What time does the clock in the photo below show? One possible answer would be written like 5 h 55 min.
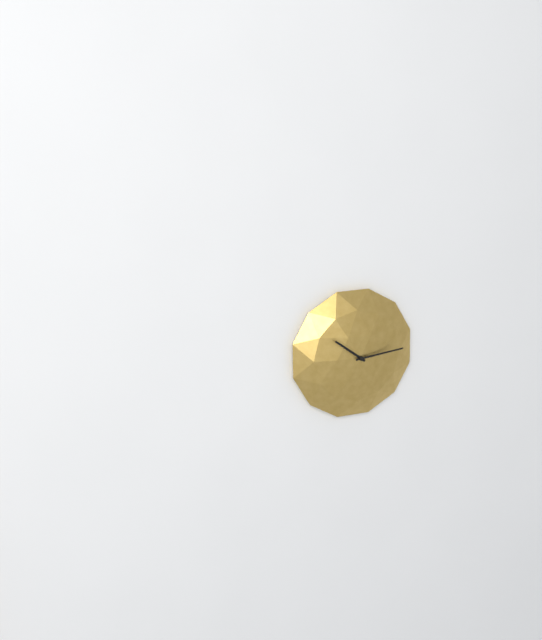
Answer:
10 h 14 min
